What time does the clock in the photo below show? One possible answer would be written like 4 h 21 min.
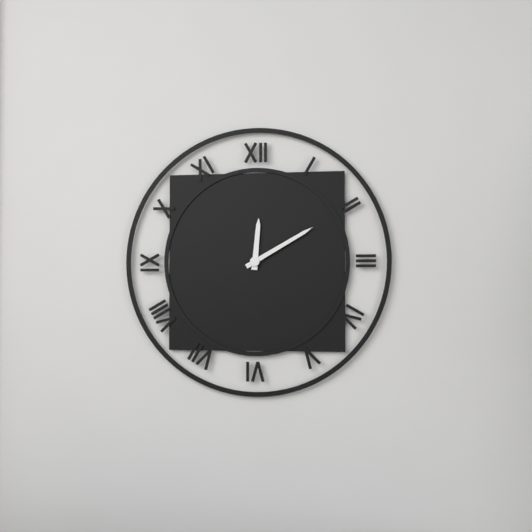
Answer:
12 h 10 min
